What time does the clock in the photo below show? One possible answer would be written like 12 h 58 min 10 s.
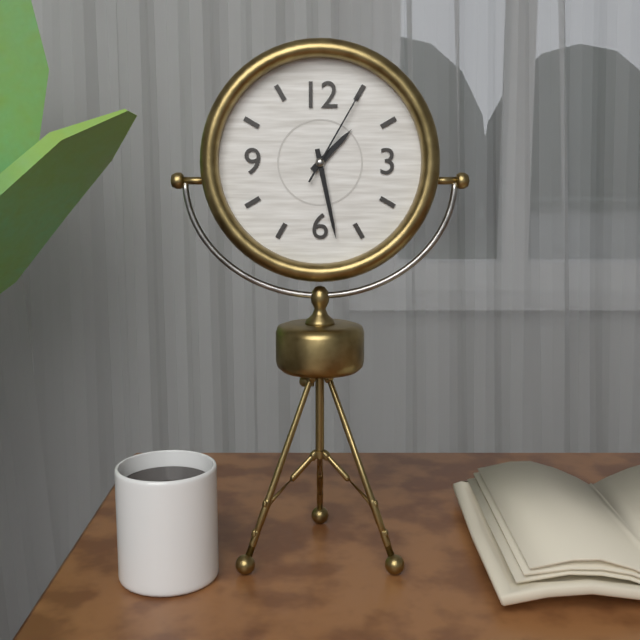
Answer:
1 h 28 min 05 s
